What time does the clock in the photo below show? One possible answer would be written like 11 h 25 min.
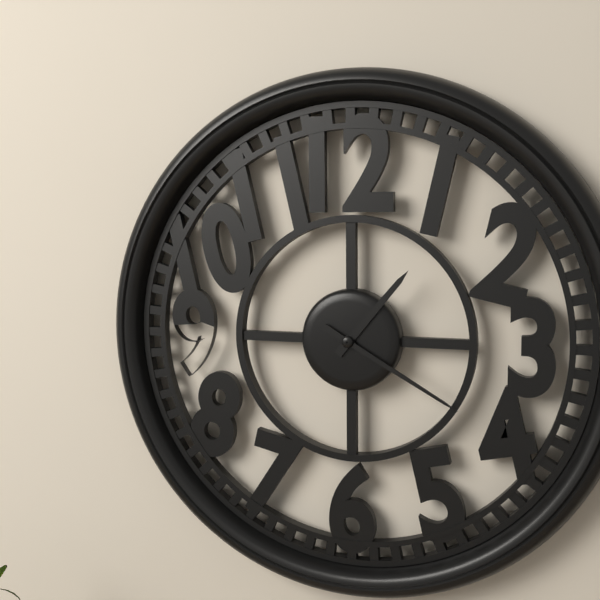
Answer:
1 h 20 min
